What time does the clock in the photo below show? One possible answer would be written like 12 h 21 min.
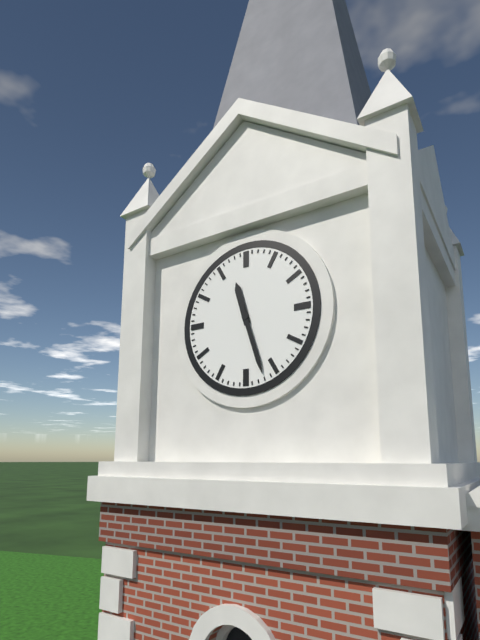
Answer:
11 h 27 min
